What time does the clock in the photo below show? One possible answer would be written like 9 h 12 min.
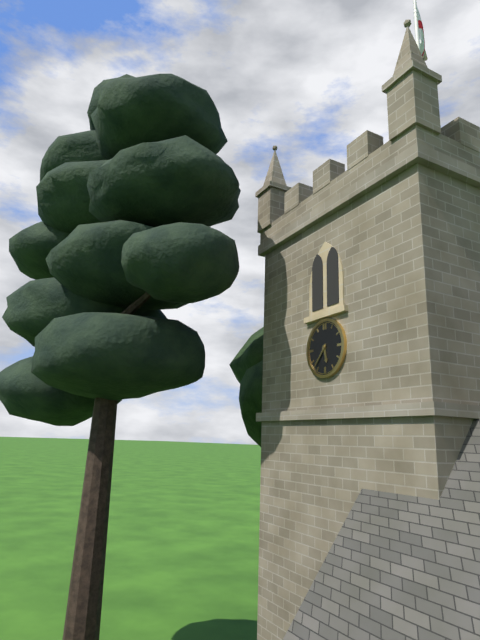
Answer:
5 h 37 min
